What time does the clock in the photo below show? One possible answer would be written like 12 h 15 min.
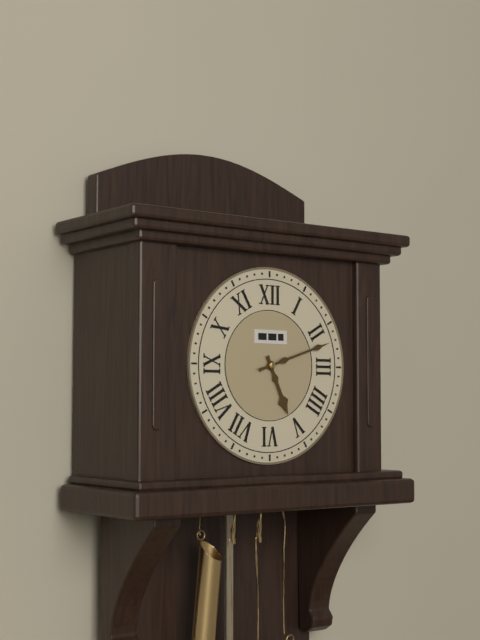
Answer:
5 h 12 min
